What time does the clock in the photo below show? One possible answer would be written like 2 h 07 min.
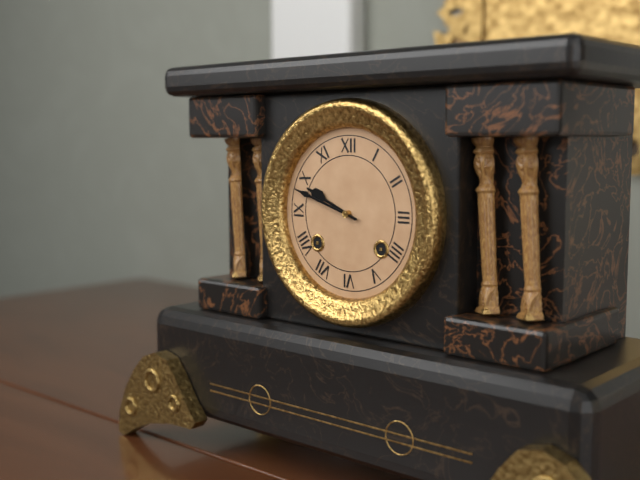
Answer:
9 h 48 min
